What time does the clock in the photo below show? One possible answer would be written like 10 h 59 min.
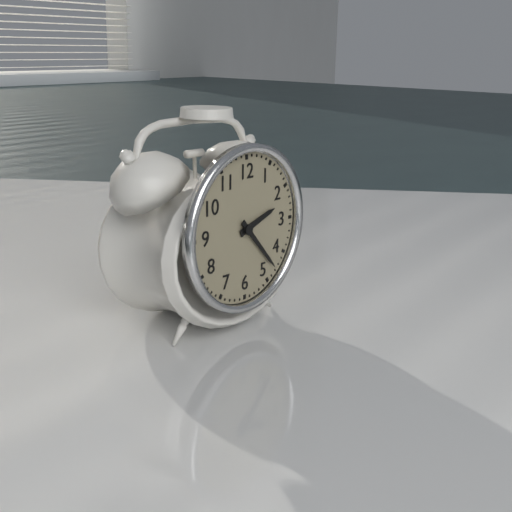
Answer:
2 h 23 min
